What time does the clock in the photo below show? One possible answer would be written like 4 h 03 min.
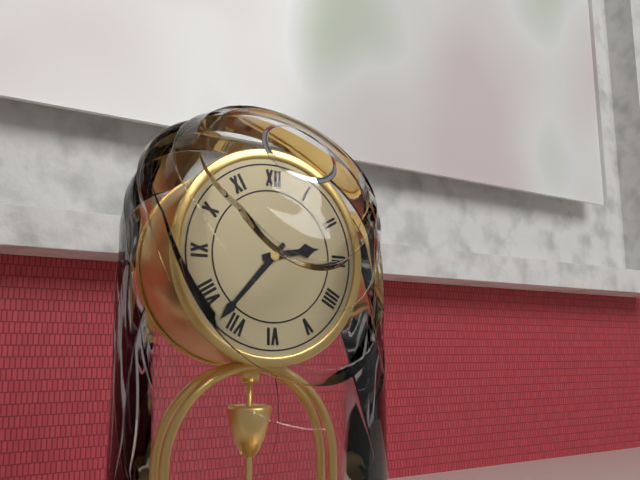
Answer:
2 h 37 min
